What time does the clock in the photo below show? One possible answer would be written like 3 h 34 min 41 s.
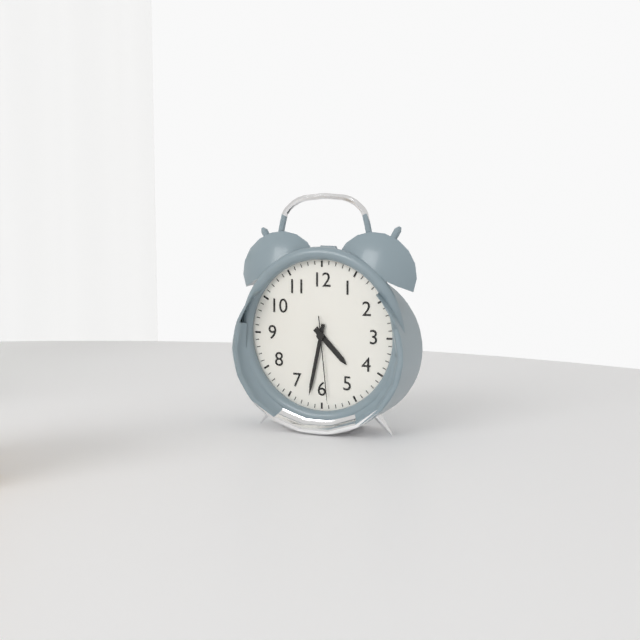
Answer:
4 h 32 min 29 s
